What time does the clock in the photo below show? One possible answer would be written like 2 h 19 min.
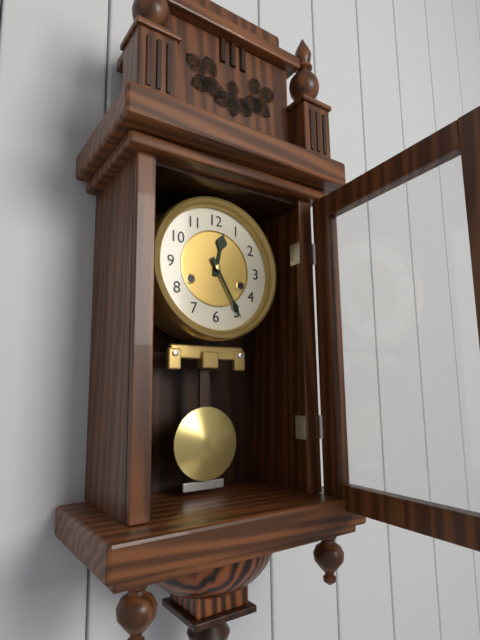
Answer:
12 h 25 min
